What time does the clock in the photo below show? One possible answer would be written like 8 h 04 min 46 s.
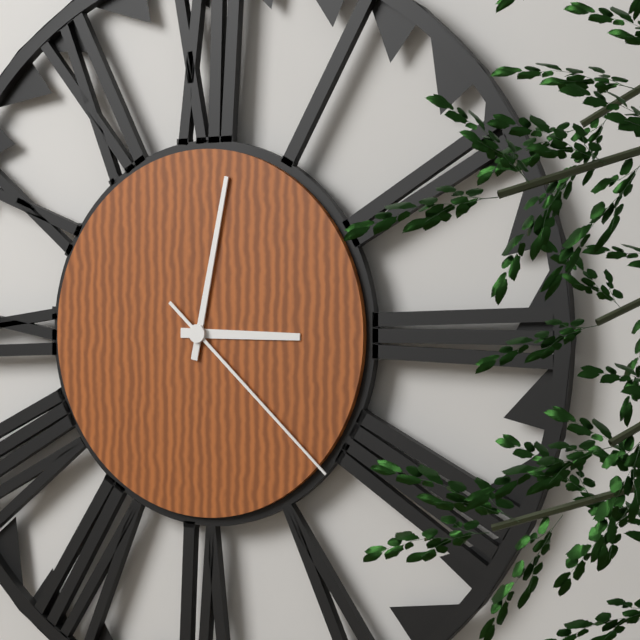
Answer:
3 h 02 min 22 s
